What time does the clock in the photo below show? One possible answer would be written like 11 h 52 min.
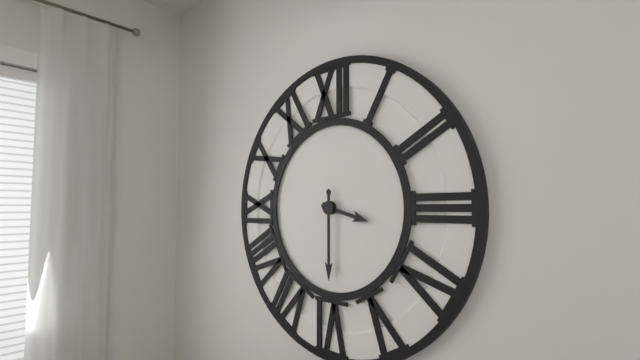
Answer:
3 h 30 min
